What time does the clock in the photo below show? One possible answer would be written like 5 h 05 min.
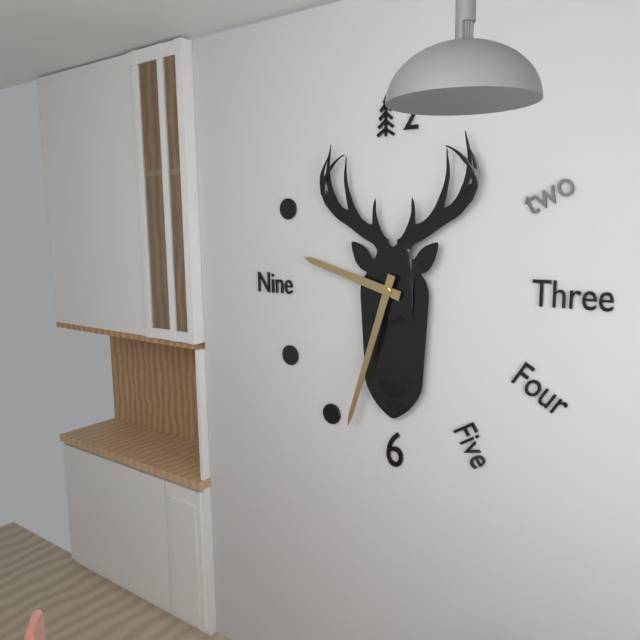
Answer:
9 h 33 min
